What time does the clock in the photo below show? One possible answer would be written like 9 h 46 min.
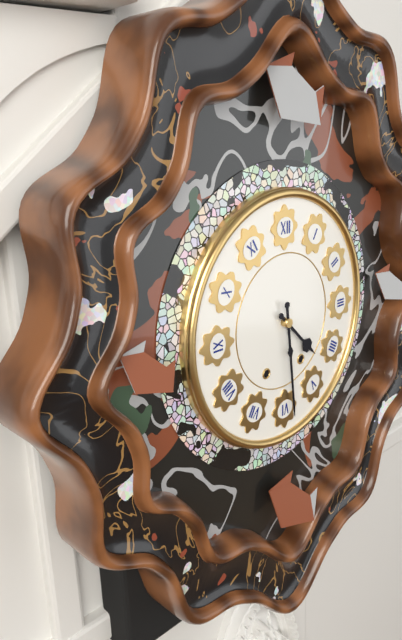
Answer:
4 h 29 min
